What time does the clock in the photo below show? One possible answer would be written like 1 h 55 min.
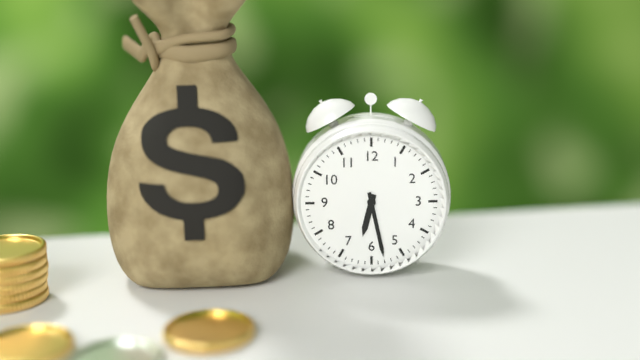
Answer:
6 h 28 min
